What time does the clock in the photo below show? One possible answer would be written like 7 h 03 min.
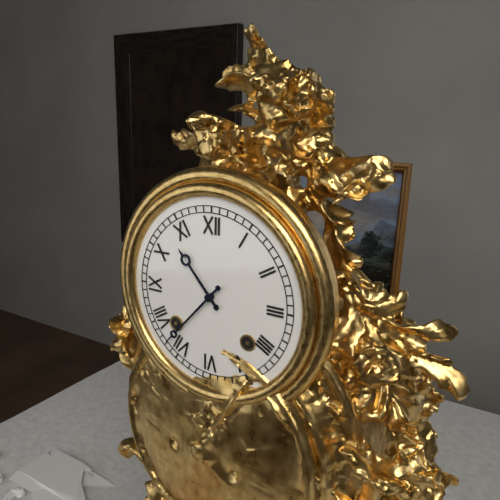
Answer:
10 h 37 min
